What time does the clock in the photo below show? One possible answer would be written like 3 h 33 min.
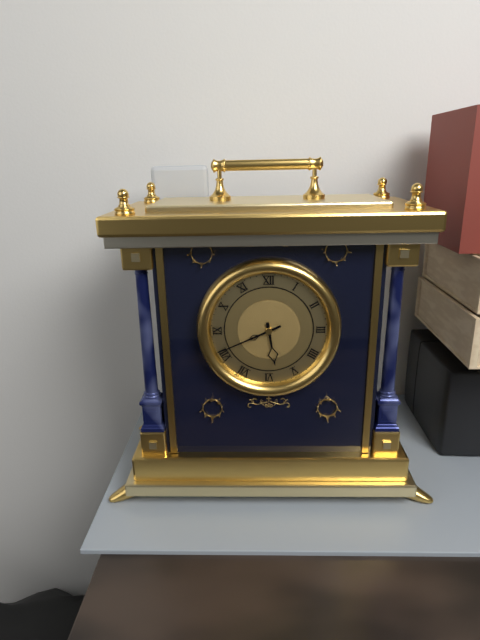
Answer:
5 h 41 min
